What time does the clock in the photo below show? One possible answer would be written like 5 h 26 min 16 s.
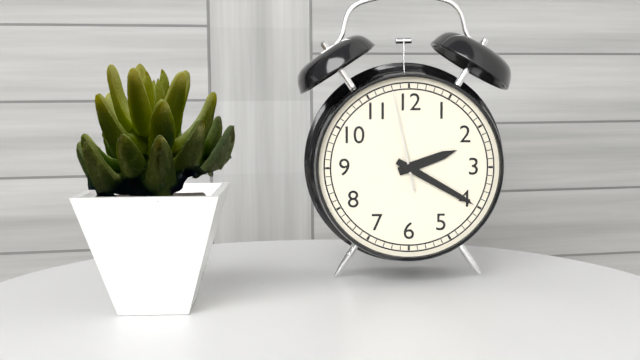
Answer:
2 h 20 min 58 s
